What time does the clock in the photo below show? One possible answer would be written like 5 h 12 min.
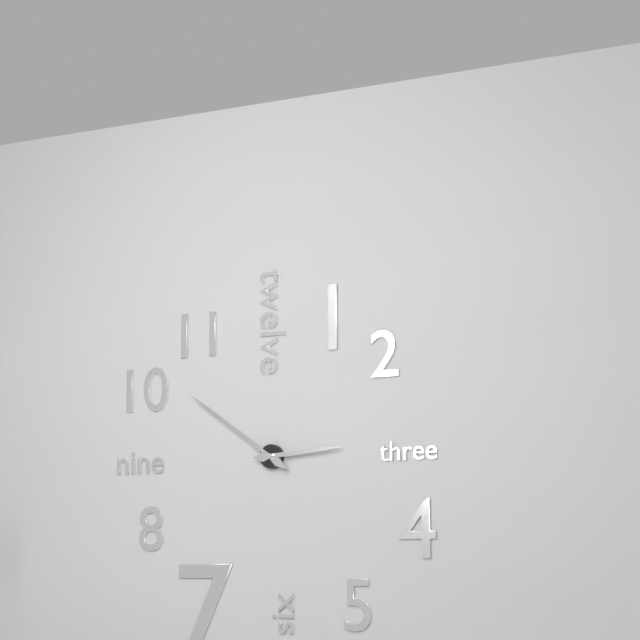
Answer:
2 h 51 min
